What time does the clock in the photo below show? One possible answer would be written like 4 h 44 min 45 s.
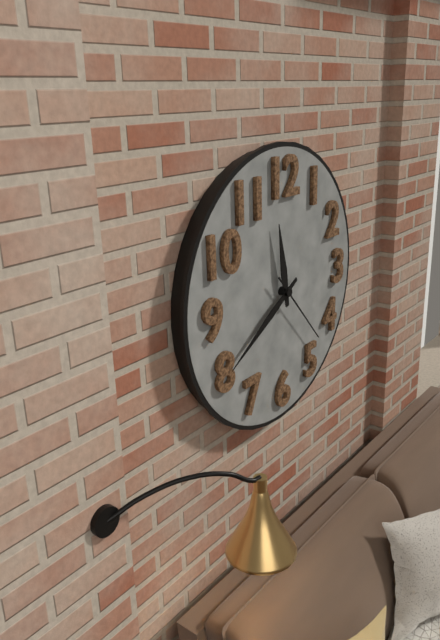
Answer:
11 h 40 min 23 s
